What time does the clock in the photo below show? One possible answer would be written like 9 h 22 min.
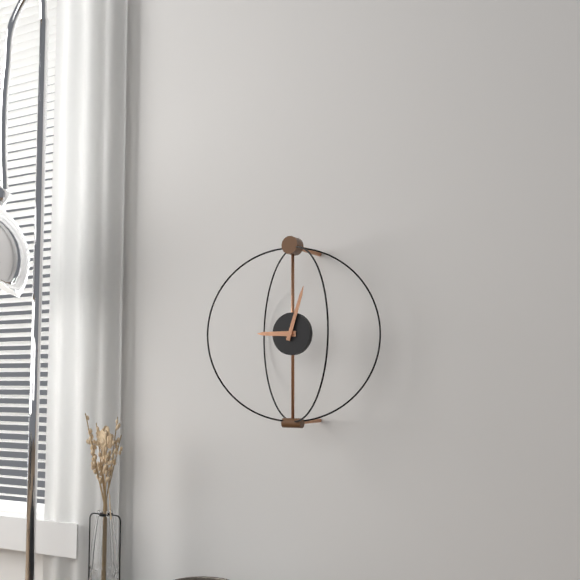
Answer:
9 h 03 min
